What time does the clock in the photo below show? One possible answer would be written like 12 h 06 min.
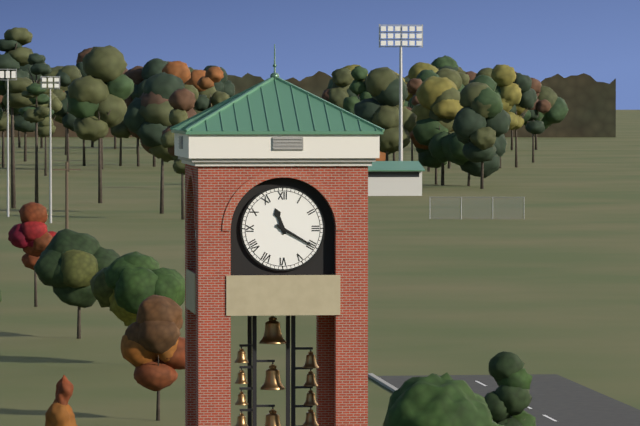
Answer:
11 h 20 min
